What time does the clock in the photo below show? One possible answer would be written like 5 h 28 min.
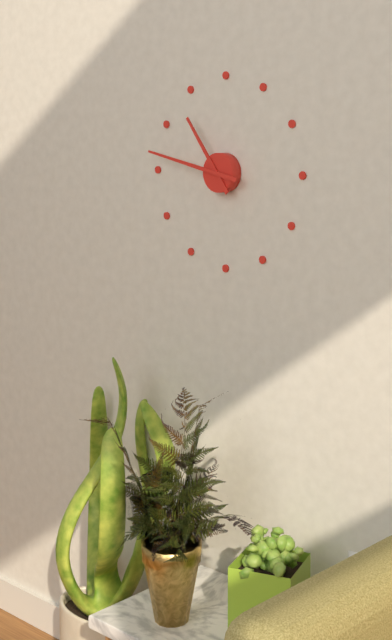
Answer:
10 h 47 min
